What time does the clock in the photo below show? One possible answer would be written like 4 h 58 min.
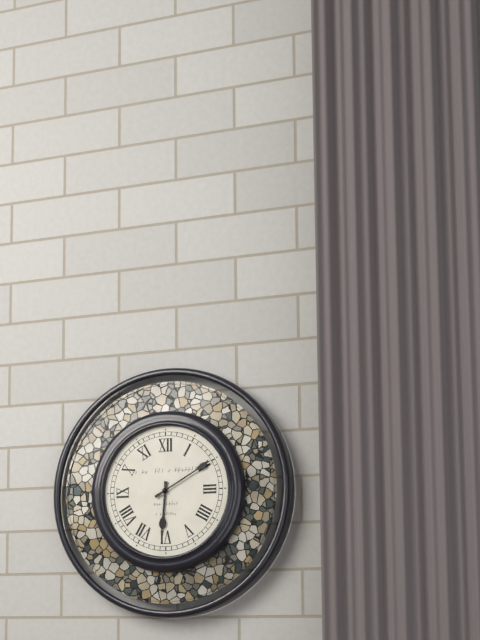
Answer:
6 h 10 min
